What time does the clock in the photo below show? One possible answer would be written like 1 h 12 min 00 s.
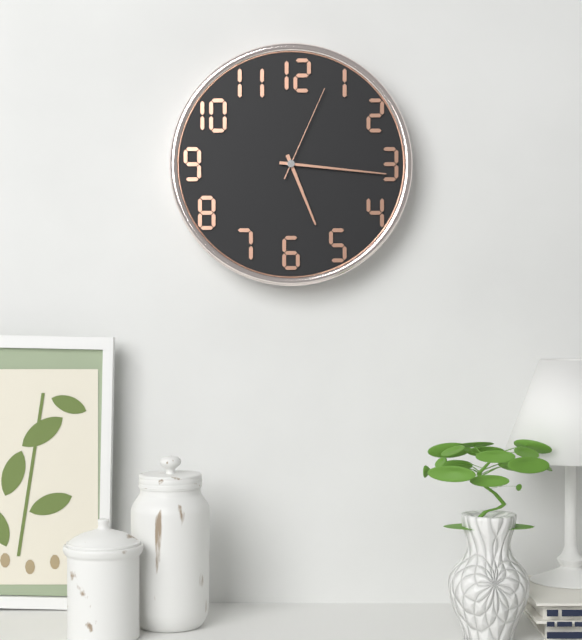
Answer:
5 h 16 min 04 s
